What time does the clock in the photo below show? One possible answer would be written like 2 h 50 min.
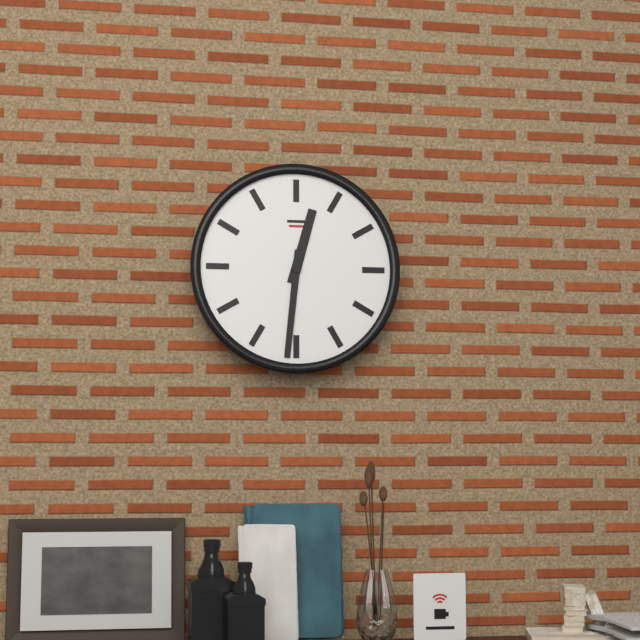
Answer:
12 h 31 min
